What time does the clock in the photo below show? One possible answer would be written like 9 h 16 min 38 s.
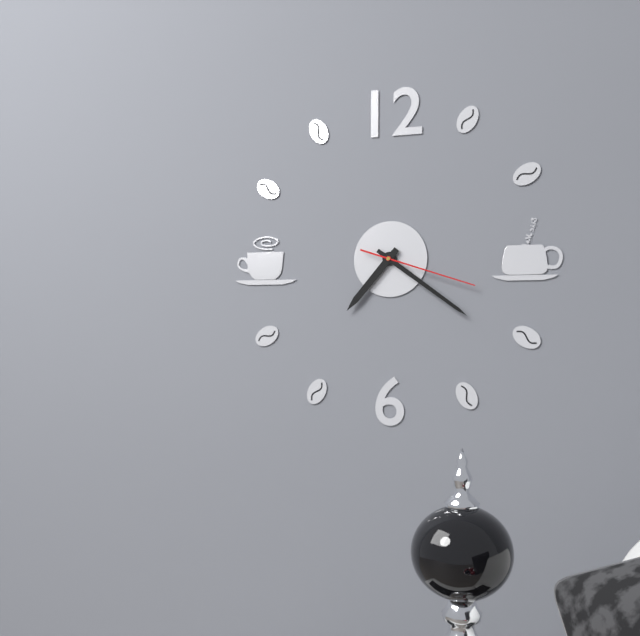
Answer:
7 h 21 min 18 s
